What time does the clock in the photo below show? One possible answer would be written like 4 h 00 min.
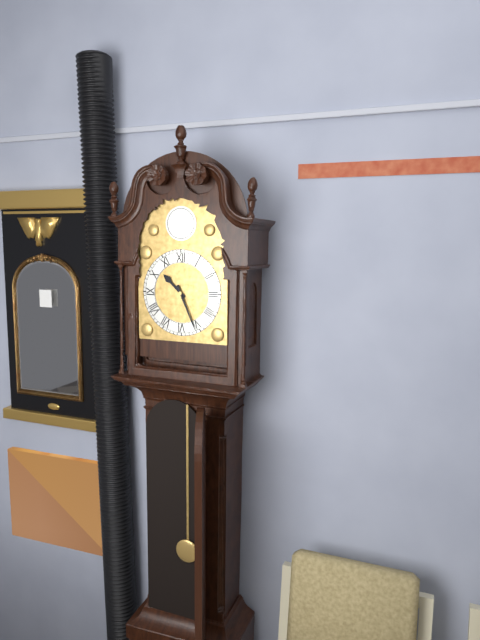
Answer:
10 h 26 min
